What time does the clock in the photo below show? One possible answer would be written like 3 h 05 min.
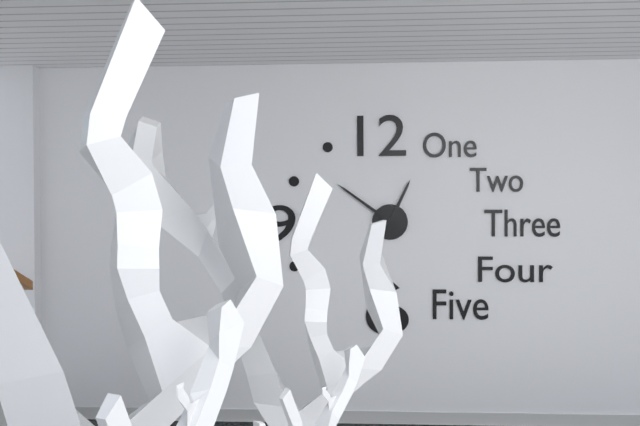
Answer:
12 h 51 min
